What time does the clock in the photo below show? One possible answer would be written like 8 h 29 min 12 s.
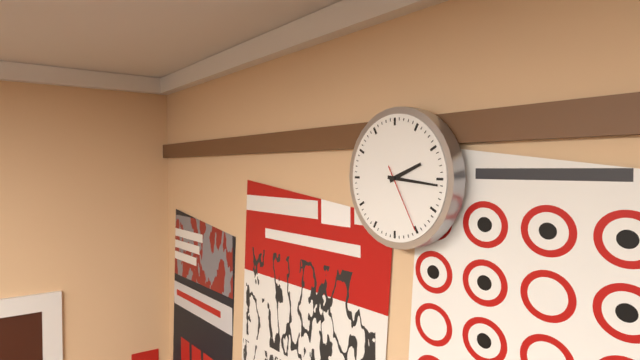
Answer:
2 h 16 min 25 s
